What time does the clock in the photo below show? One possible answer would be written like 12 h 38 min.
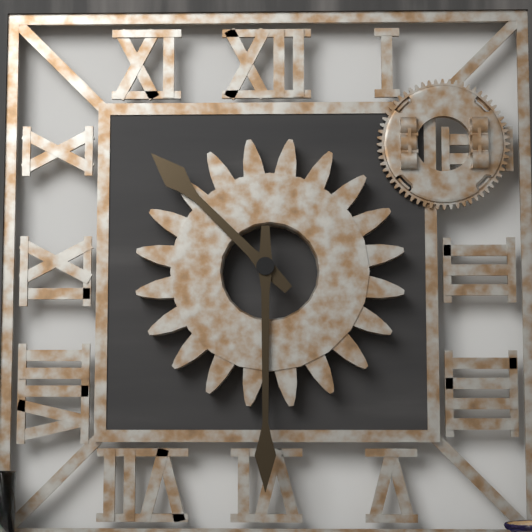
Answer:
10 h 30 min
